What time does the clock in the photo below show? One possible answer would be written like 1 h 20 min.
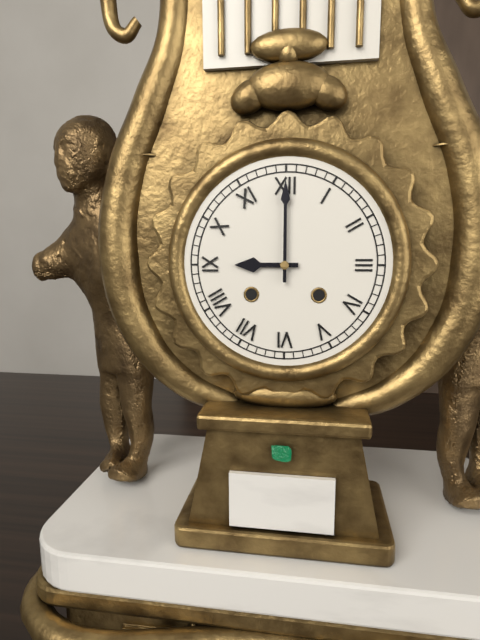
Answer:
9 h 00 min
